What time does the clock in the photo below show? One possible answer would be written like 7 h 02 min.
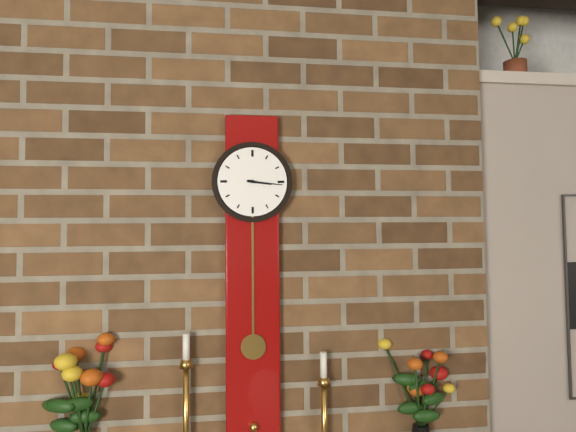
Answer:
3 h 16 min
